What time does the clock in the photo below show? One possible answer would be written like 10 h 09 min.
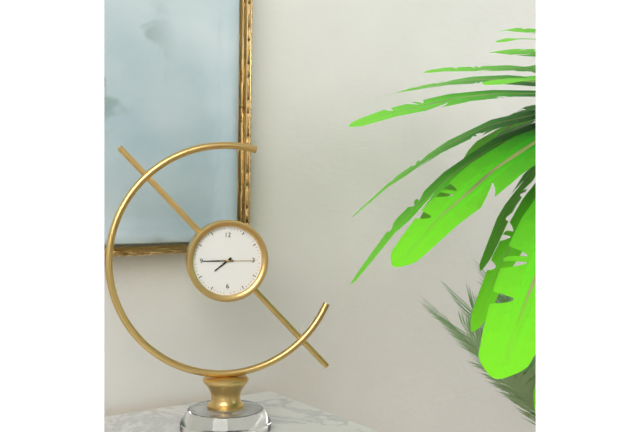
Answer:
7 h 45 min
